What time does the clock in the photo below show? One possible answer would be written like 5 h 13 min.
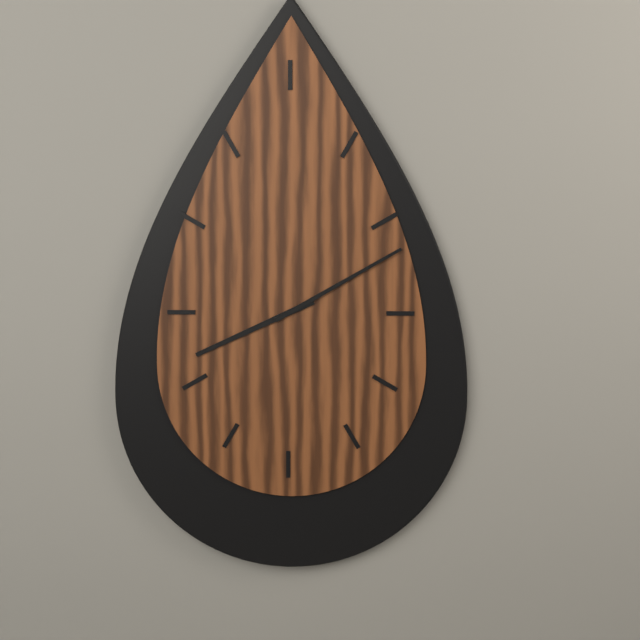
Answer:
8 h 10 min
